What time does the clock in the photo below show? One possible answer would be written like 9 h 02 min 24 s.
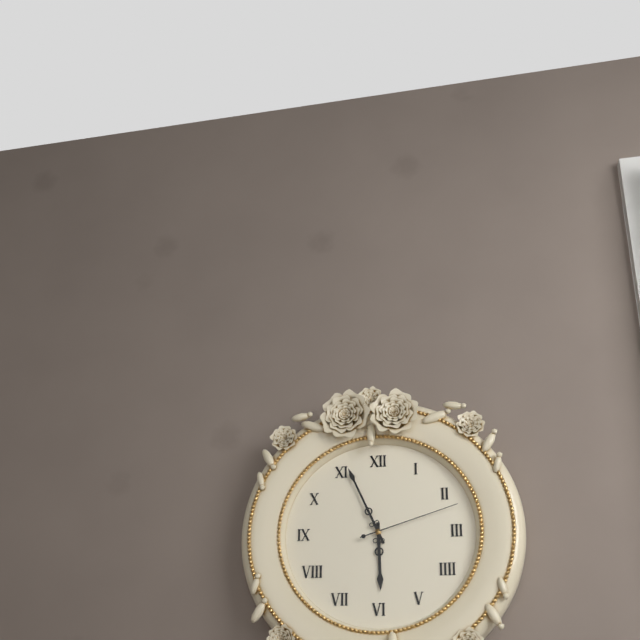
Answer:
5 h 56 min 12 s
